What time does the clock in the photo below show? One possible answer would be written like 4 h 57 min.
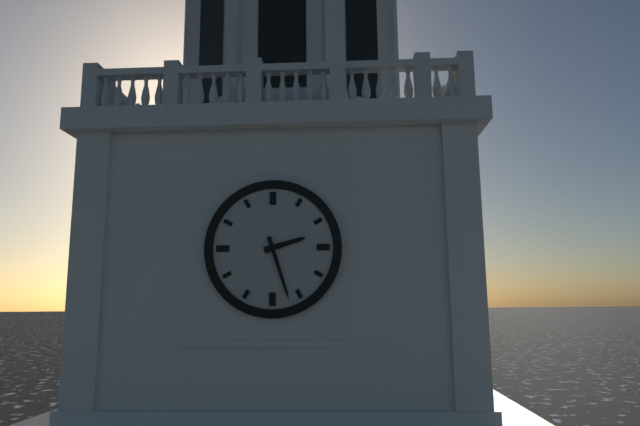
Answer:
2 h 27 min
